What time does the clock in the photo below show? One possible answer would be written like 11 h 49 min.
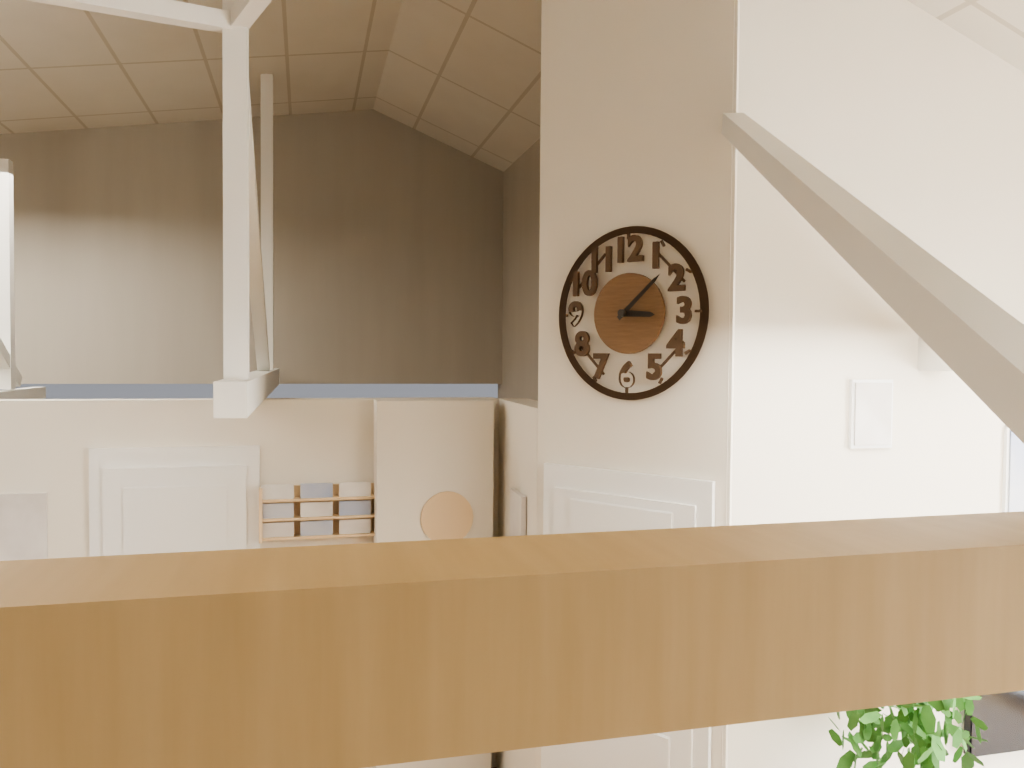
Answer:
3 h 08 min
